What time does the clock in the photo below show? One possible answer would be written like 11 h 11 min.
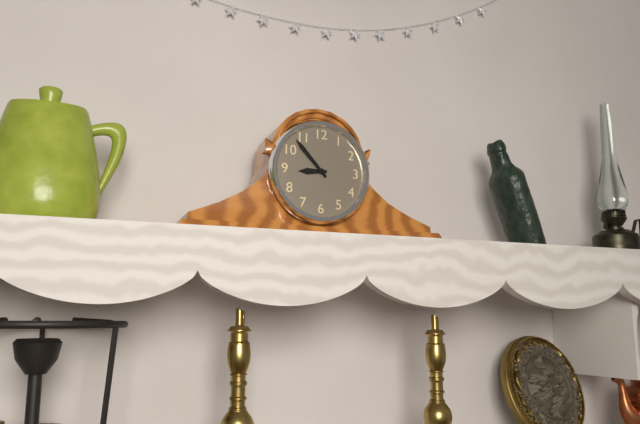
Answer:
8 h 53 min
